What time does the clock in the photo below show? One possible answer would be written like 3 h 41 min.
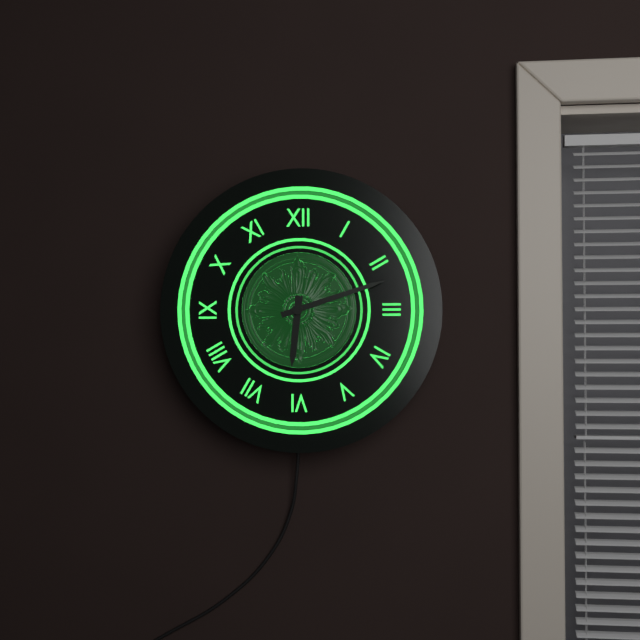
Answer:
6 h 12 min
